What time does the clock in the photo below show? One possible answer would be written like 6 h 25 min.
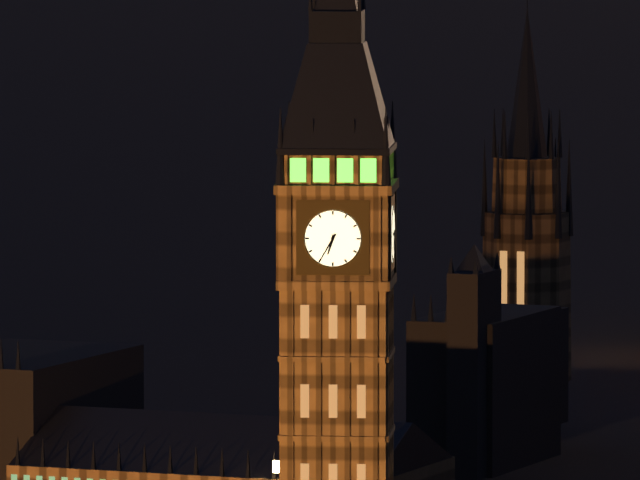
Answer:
6 h 35 min
